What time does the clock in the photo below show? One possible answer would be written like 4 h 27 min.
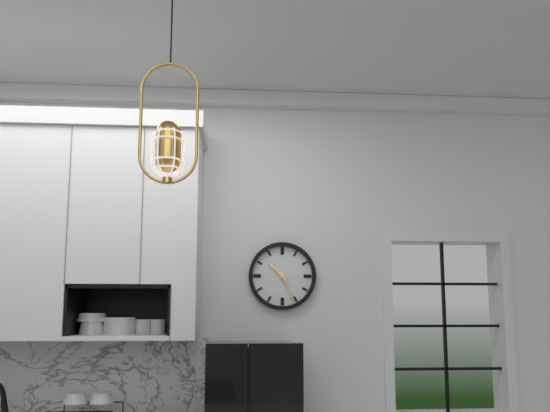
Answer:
10 h 26 min
